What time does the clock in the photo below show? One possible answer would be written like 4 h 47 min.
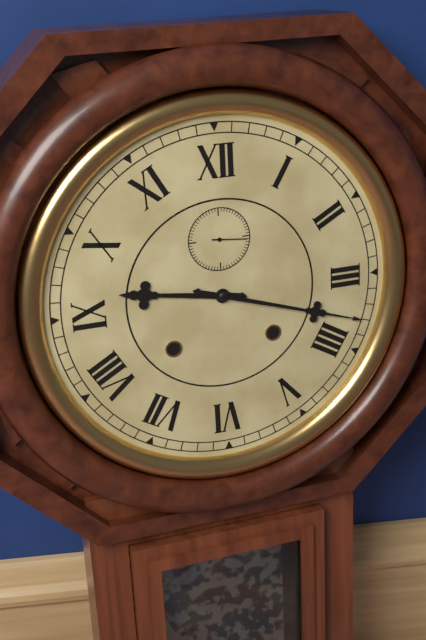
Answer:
9 h 18 min
